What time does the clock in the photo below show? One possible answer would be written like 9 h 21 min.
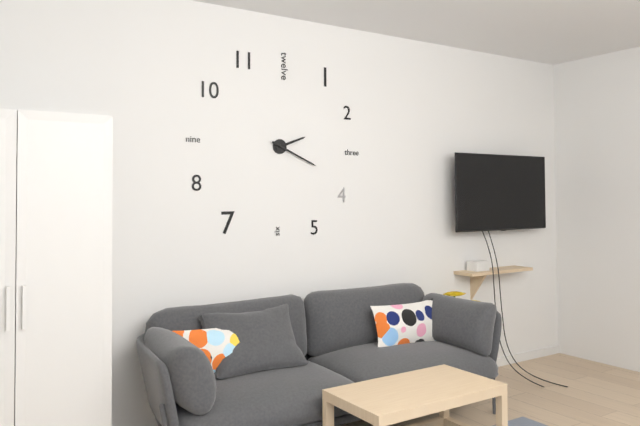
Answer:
2 h 19 min
